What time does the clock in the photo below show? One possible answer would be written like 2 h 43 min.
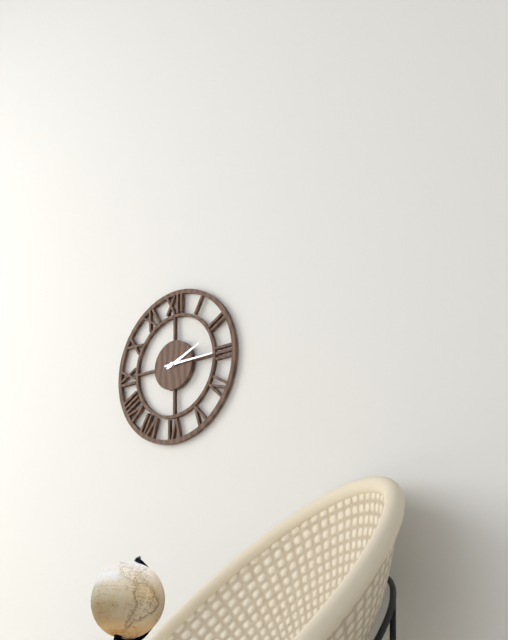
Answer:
2 h 15 min
